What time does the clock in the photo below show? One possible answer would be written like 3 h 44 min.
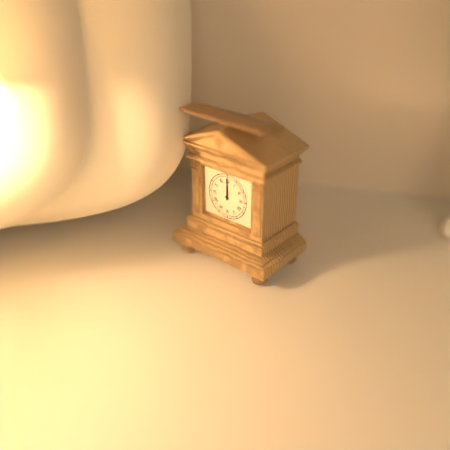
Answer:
12 h 00 min
